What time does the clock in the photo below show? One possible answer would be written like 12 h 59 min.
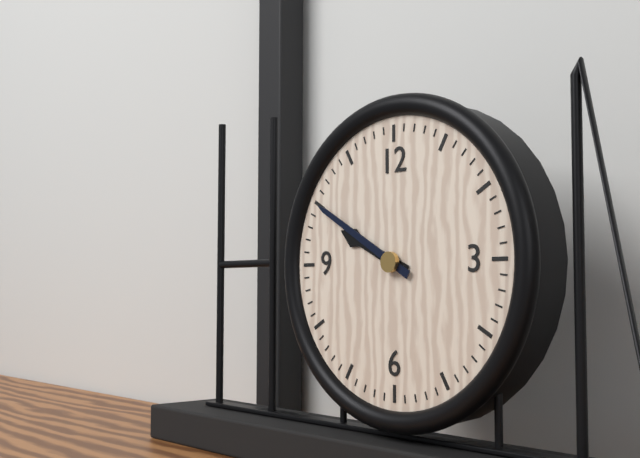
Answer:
9 h 50 min
